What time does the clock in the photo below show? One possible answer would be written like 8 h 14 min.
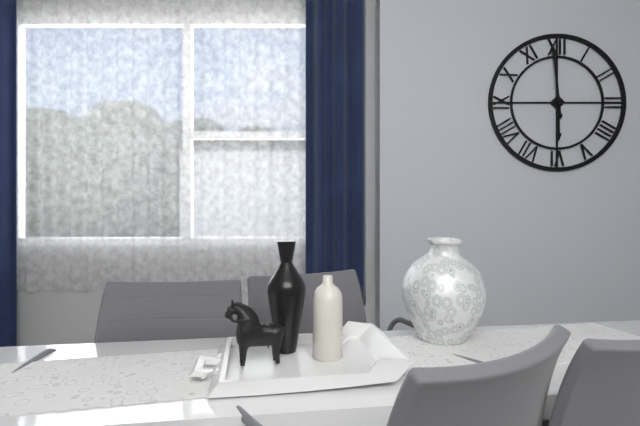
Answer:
5 h 59 min
